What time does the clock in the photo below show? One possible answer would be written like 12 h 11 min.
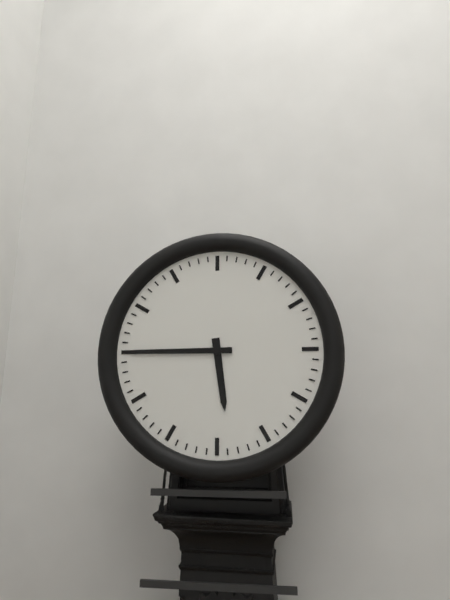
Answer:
5 h 45 min
